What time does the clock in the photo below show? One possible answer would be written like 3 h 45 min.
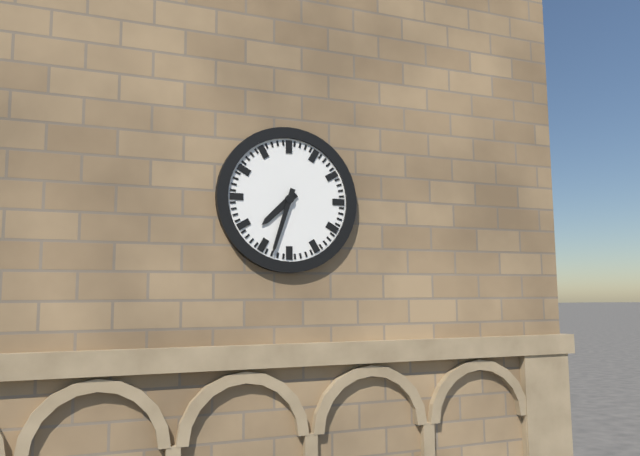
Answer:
7 h 33 min
